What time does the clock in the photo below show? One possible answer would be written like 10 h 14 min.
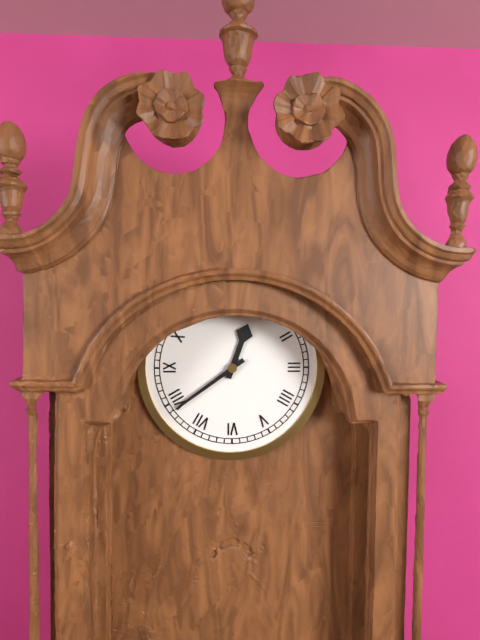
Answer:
12 h 39 min
